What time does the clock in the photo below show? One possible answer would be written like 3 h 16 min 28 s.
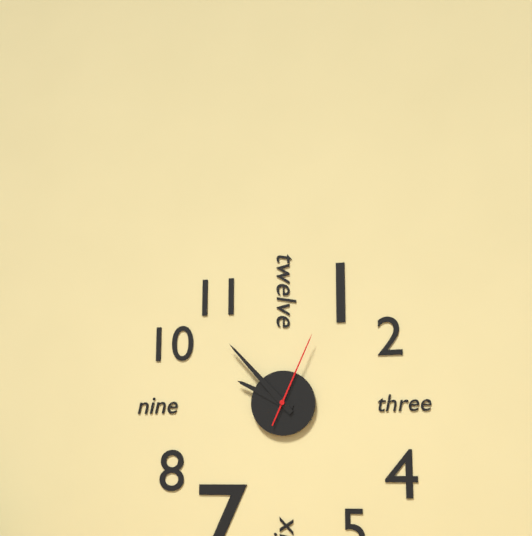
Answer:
9 h 53 min 04 s
